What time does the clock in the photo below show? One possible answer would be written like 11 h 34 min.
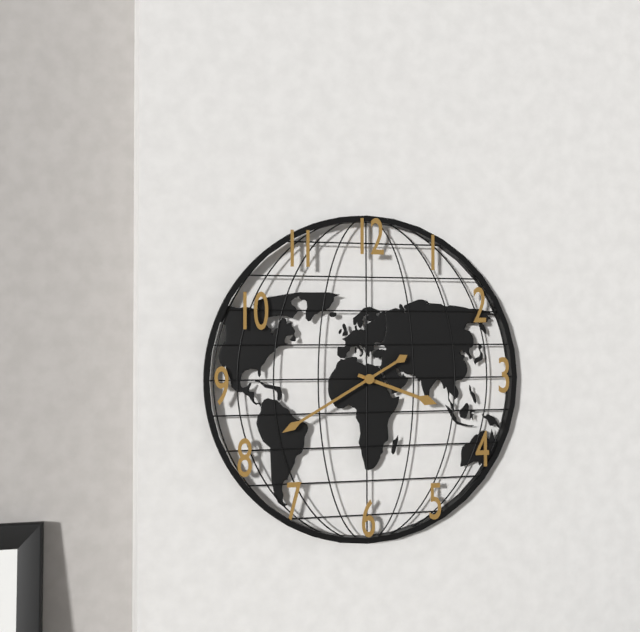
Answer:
3 h 40 min
